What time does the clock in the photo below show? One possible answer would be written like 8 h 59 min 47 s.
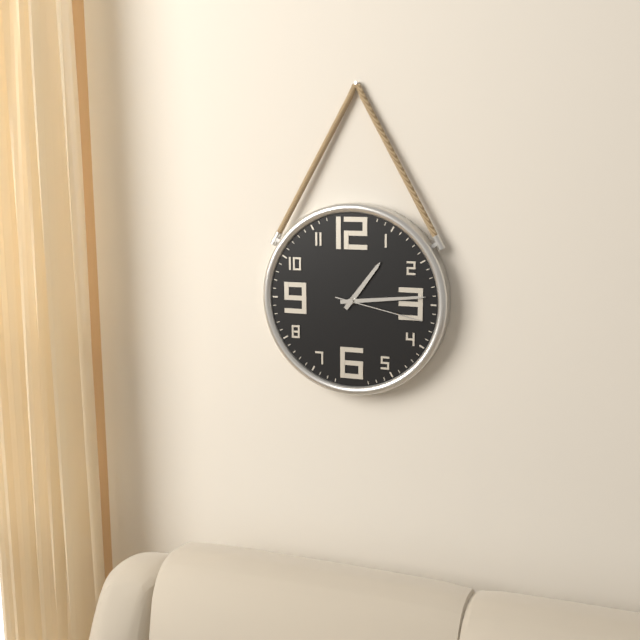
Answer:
1 h 14 min 17 s
